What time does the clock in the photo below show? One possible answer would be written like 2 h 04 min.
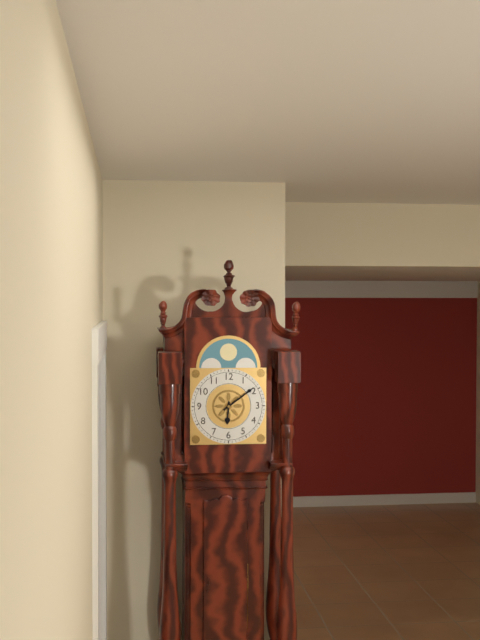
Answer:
6 h 09 min
